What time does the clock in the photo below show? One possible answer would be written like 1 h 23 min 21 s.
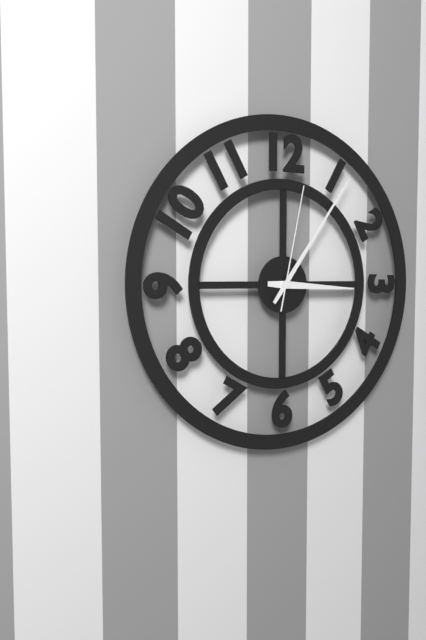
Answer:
3 h 06 min 02 s
